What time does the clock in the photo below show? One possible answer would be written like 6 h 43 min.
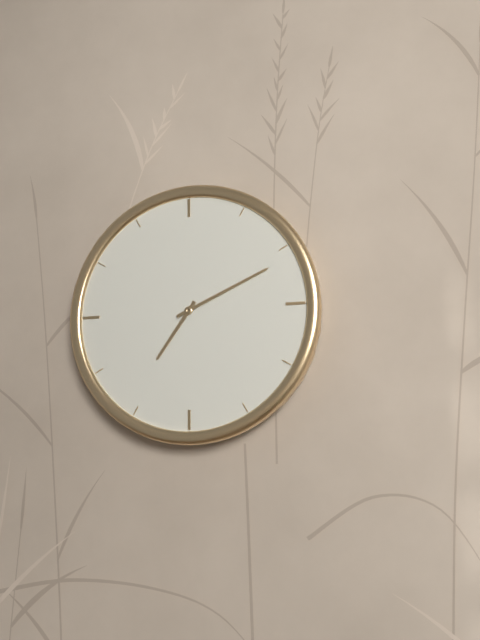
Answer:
7 h 11 min
